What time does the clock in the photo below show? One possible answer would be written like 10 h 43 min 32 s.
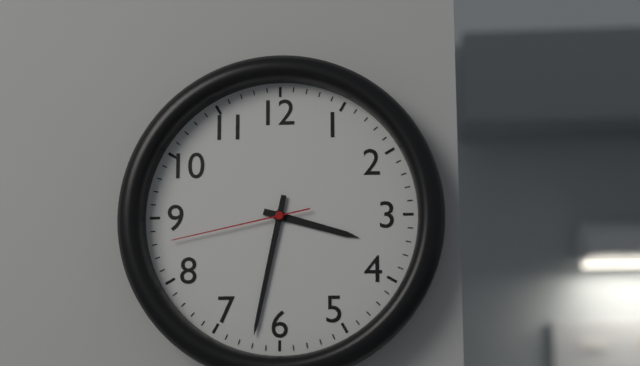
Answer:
3 h 32 min 43 s
